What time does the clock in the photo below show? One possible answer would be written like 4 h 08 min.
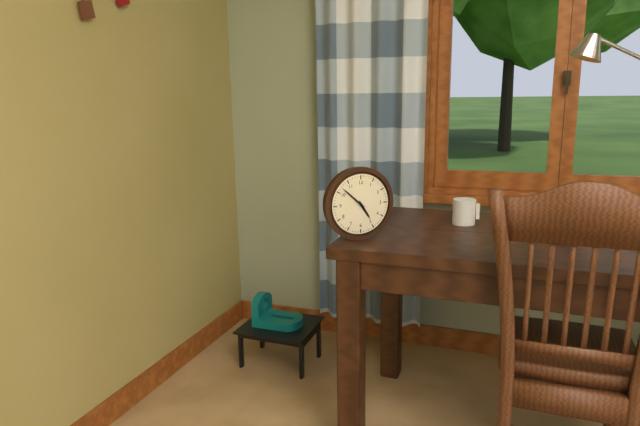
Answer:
4 h 52 min
